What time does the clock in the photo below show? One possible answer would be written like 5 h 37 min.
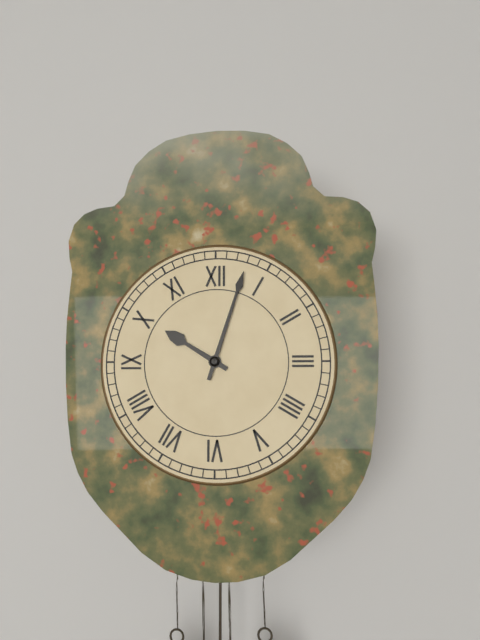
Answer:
10 h 03 min
